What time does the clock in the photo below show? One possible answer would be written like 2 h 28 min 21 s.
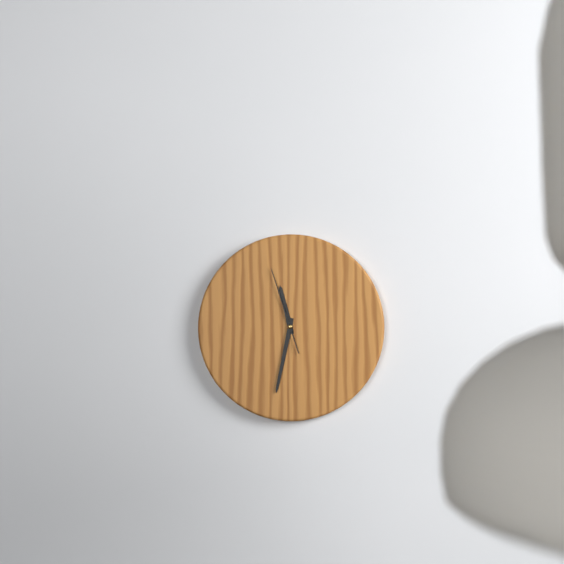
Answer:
11 h 32 min 57 s
